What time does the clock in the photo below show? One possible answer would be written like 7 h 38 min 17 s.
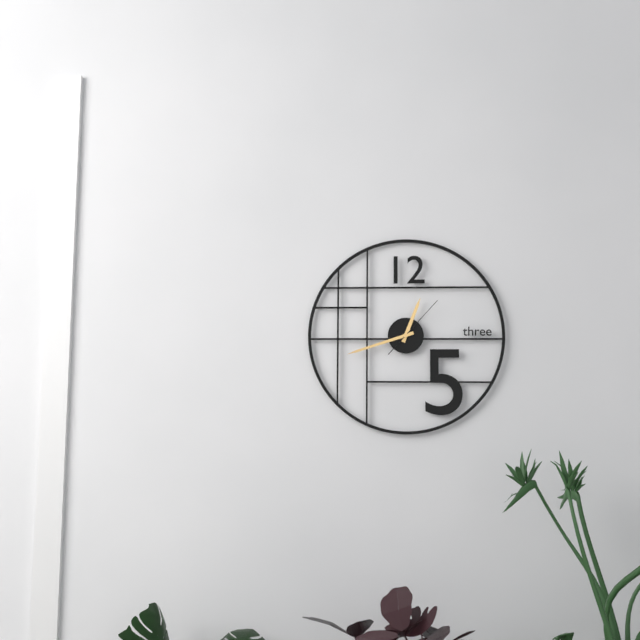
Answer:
12 h 42 min 07 s
